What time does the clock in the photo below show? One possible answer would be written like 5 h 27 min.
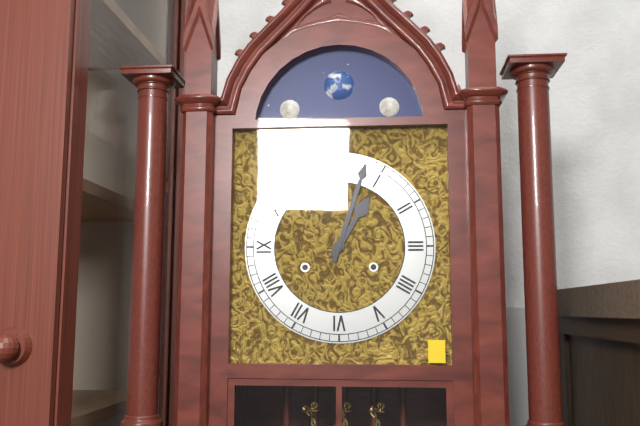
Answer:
1 h 03 min
